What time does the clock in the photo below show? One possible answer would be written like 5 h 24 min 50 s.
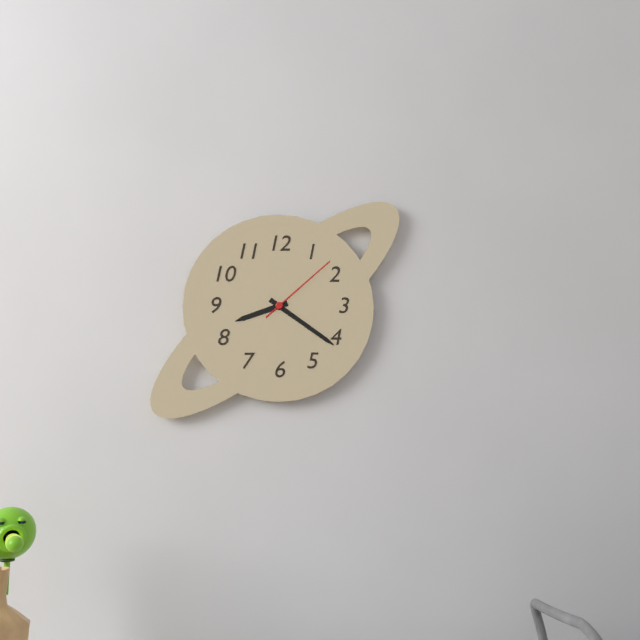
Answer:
8 h 21 min 08 s
